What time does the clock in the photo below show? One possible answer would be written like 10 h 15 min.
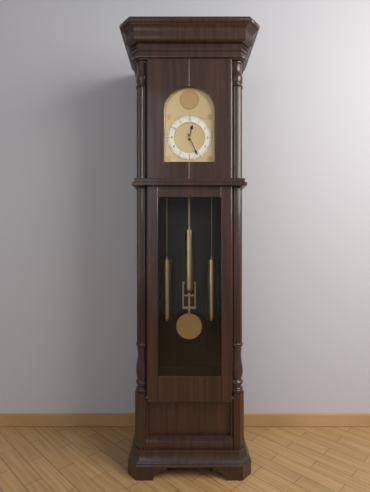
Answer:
12 h 26 min
